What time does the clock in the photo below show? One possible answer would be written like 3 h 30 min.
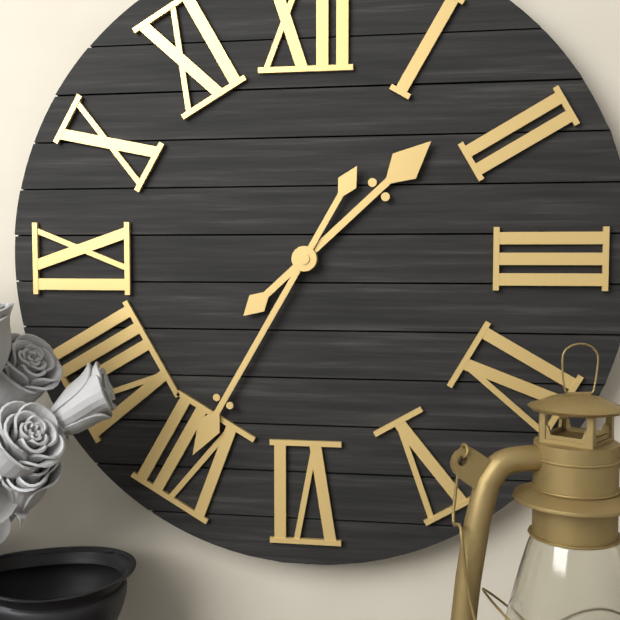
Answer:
1 h 35 min
